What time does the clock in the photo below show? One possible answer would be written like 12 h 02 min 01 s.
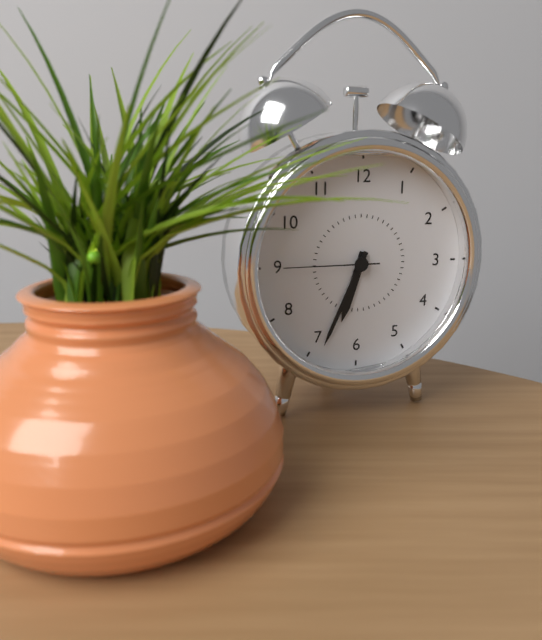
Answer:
6 h 34 min 45 s
